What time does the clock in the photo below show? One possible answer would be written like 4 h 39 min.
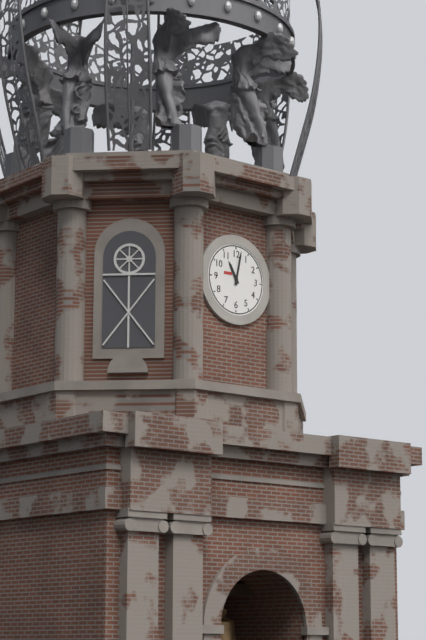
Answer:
11 h 02 min
